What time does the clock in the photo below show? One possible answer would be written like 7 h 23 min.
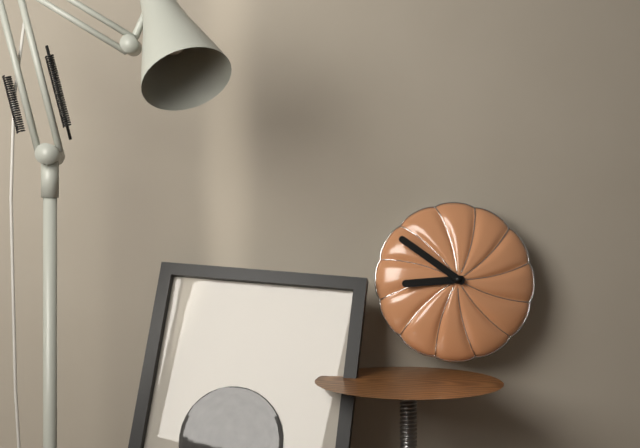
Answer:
8 h 51 min
